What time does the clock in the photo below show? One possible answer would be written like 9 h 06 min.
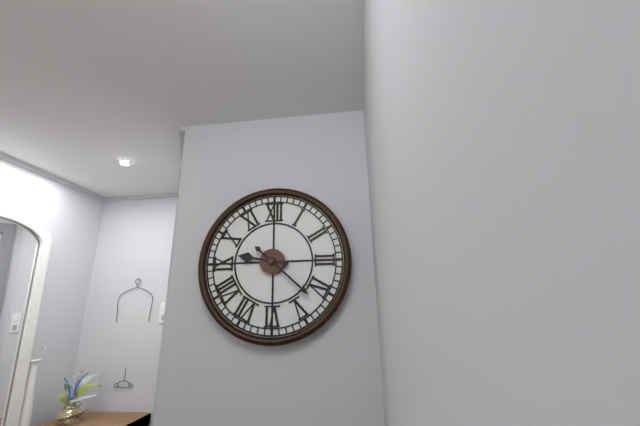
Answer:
9 h 22 min
